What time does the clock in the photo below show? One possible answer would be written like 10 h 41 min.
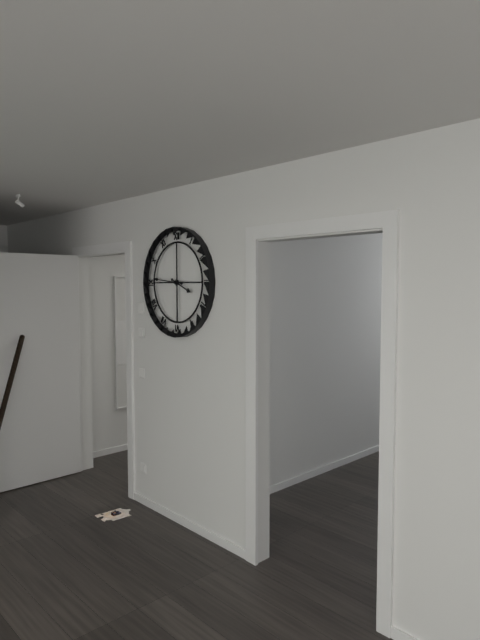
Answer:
3 h 46 min
